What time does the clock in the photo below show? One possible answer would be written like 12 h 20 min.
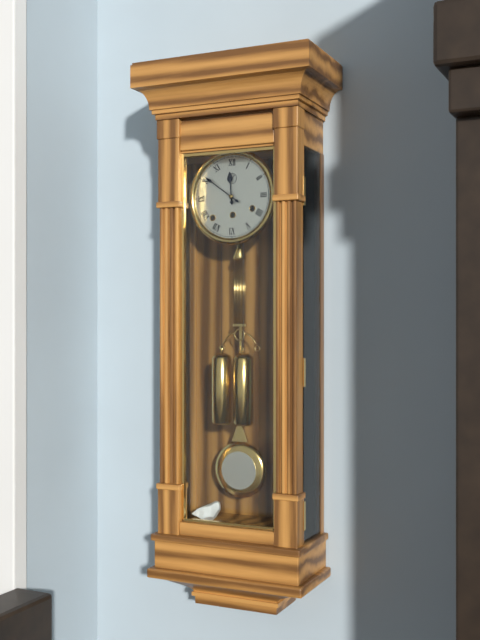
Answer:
11 h 51 min
